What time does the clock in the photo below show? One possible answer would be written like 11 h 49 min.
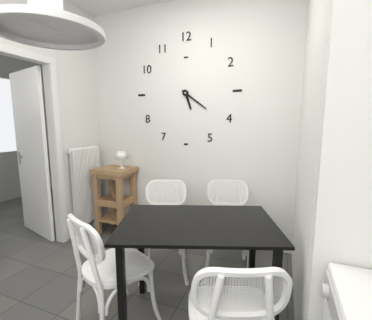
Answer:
5 h 21 min
